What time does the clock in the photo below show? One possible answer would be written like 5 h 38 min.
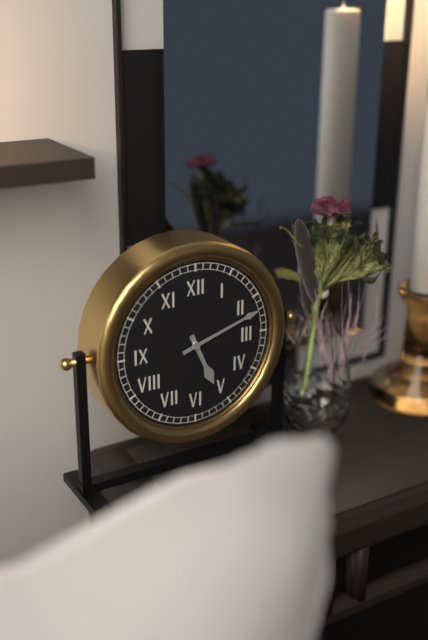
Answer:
5 h 12 min
